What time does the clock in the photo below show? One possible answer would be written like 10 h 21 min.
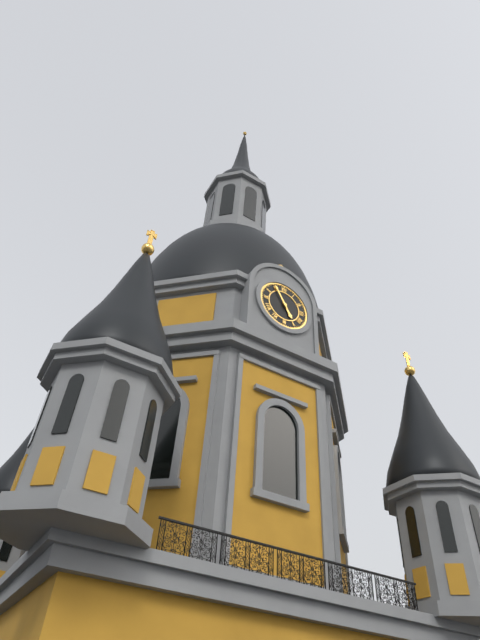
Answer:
4 h 55 min
